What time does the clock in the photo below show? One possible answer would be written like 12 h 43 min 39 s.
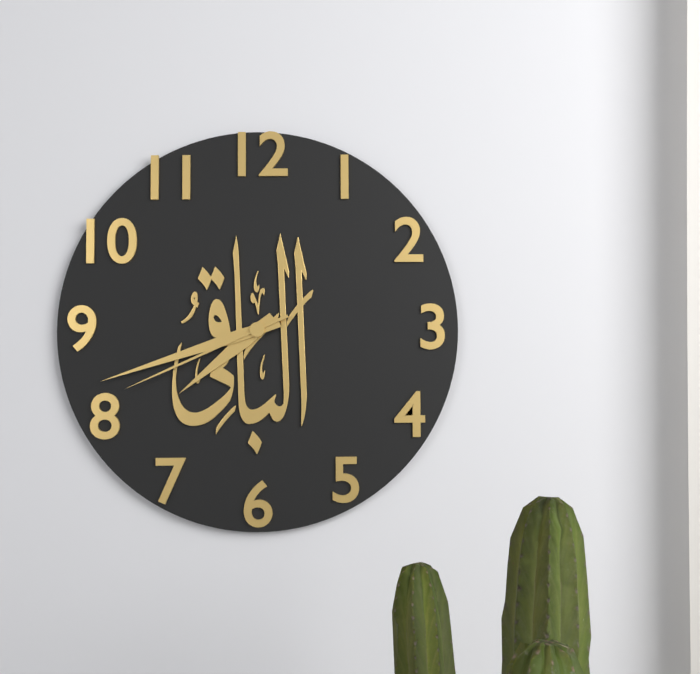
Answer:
7 h 42 min 41 s
